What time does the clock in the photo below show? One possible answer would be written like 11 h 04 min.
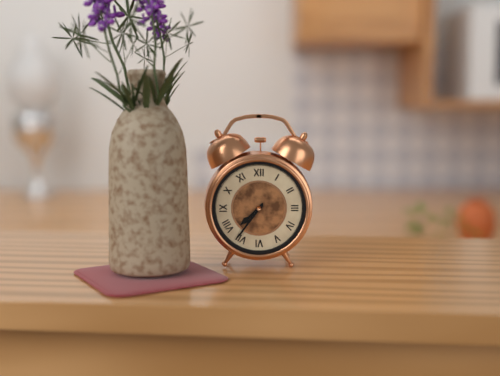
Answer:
7 h 36 min
